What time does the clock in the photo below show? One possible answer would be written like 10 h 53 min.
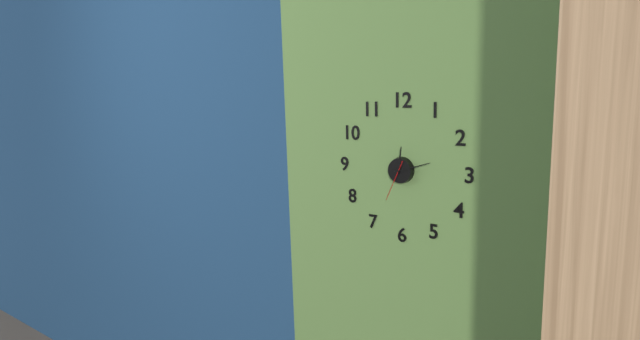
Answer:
12 h 12 min
